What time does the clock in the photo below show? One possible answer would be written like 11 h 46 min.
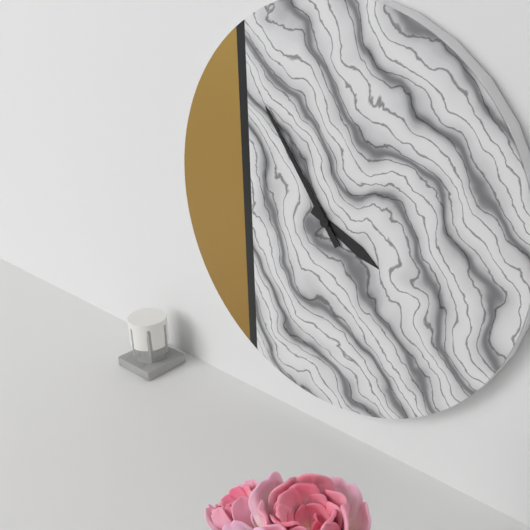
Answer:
3 h 54 min
